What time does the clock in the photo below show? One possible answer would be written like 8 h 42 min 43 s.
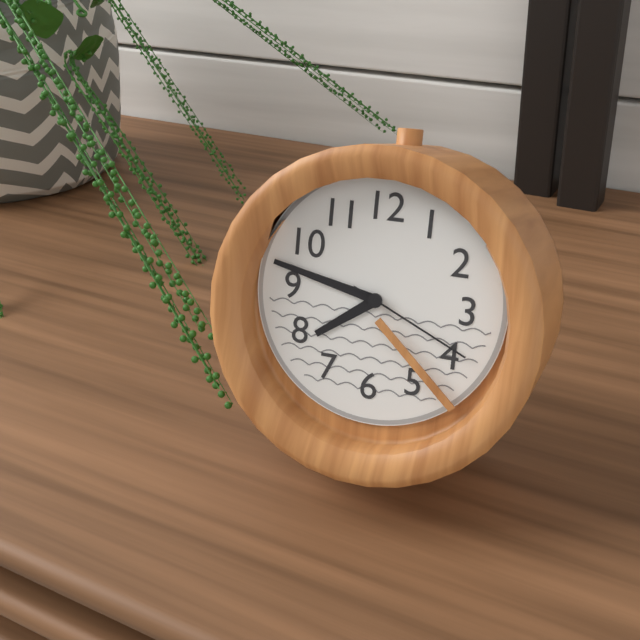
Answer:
7 h 47 min 19 s
